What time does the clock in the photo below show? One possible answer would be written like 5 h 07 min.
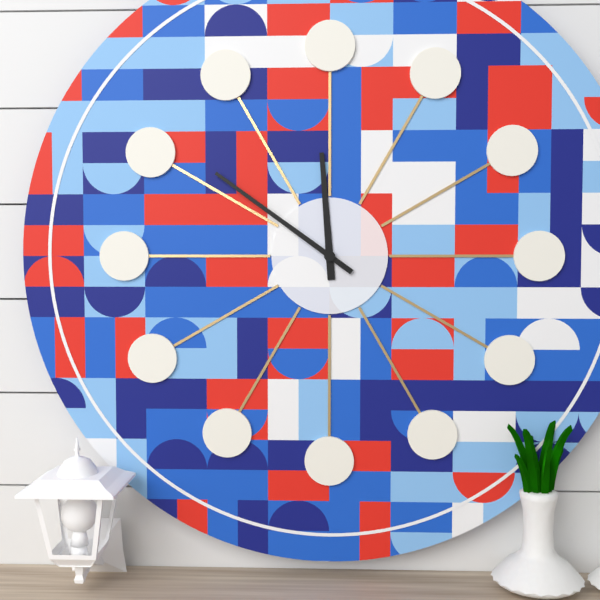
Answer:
11 h 51 min
